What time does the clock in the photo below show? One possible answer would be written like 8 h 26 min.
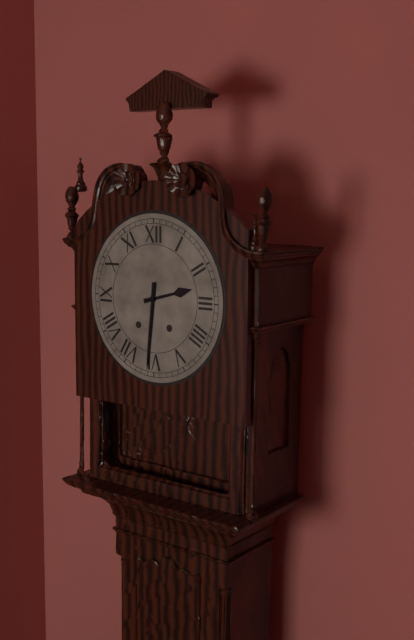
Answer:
2 h 31 min
